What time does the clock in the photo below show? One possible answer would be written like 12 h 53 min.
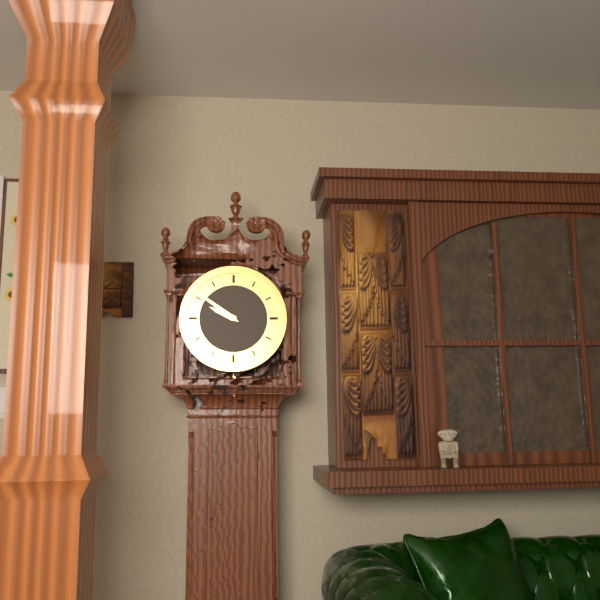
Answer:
9 h 51 min
